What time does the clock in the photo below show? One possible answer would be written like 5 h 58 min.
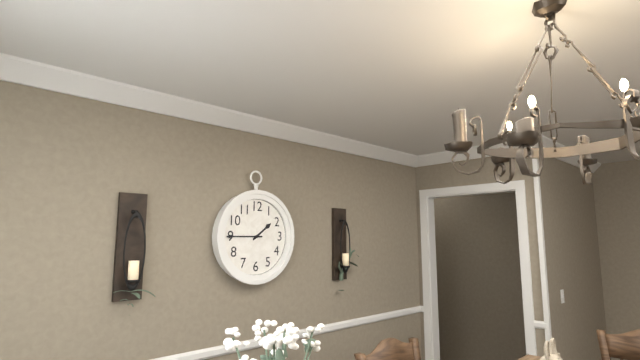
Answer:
1 h 45 min
